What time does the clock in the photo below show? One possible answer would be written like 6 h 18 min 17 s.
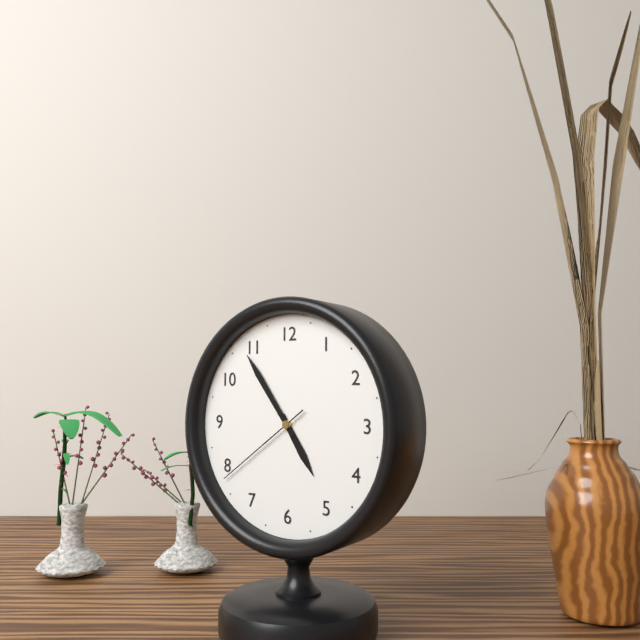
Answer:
4 h 54 min 39 s
